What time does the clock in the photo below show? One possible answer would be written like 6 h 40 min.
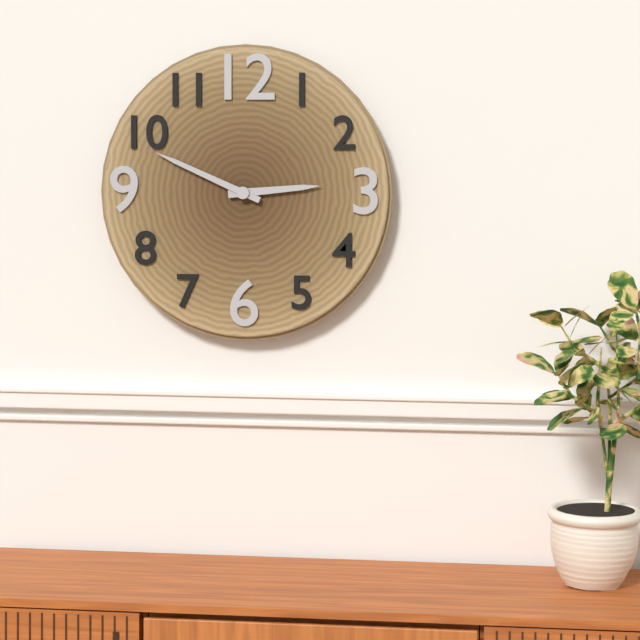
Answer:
2 h 49 min
